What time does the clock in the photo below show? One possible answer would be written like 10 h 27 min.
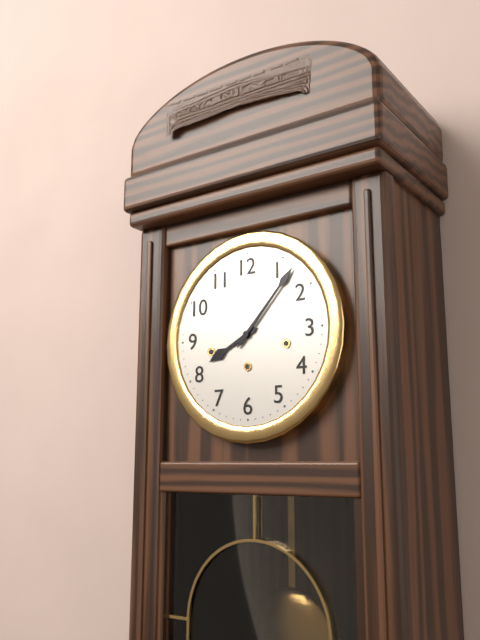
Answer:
8 h 07 min
